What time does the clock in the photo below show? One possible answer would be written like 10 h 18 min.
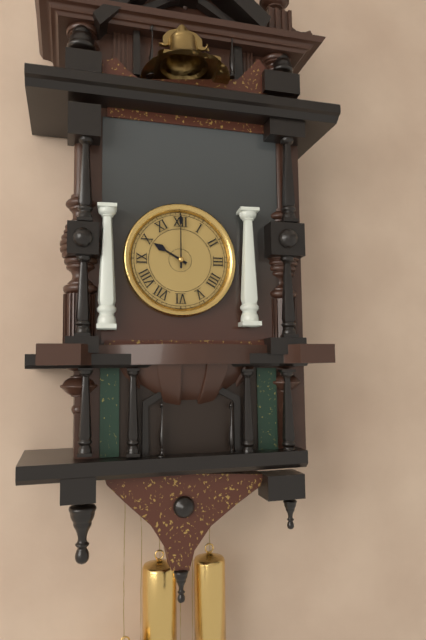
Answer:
10 h 00 min
